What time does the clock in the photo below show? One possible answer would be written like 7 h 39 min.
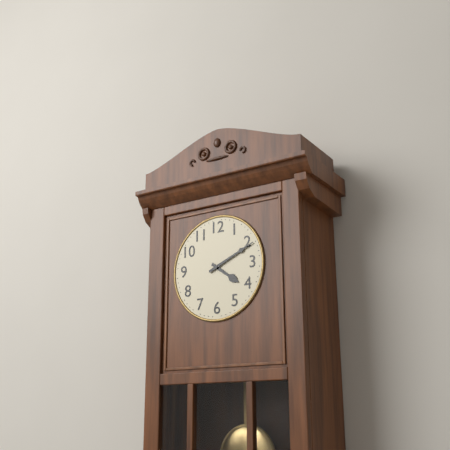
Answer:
4 h 11 min
